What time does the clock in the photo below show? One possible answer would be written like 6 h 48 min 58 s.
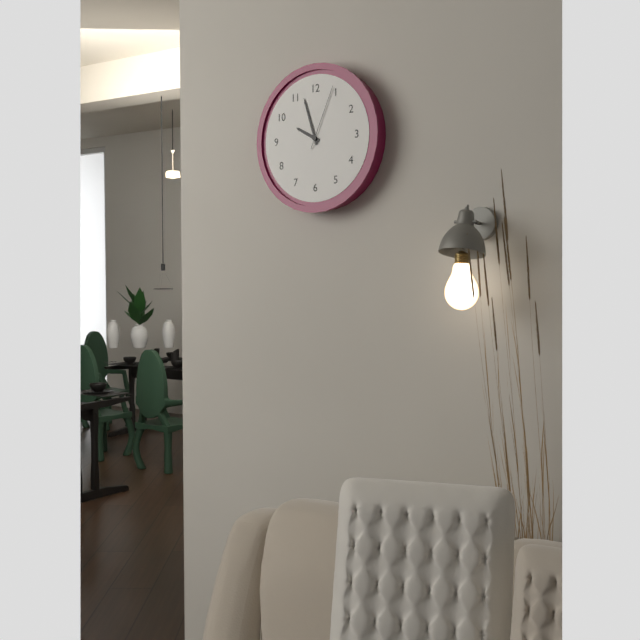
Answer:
9 h 57 min 04 s
